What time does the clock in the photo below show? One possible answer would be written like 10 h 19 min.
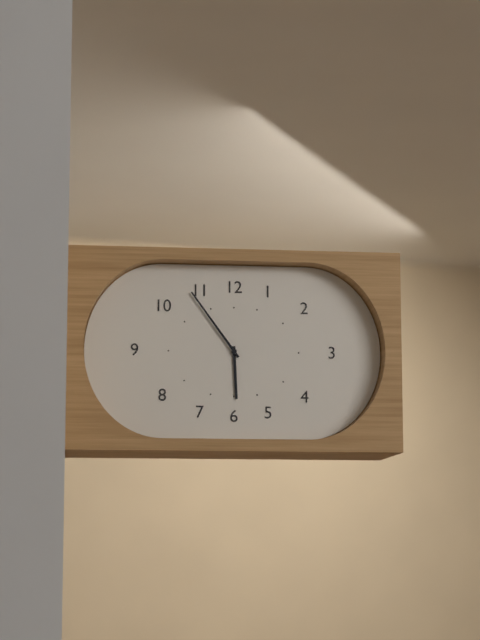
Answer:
5 h 54 min
